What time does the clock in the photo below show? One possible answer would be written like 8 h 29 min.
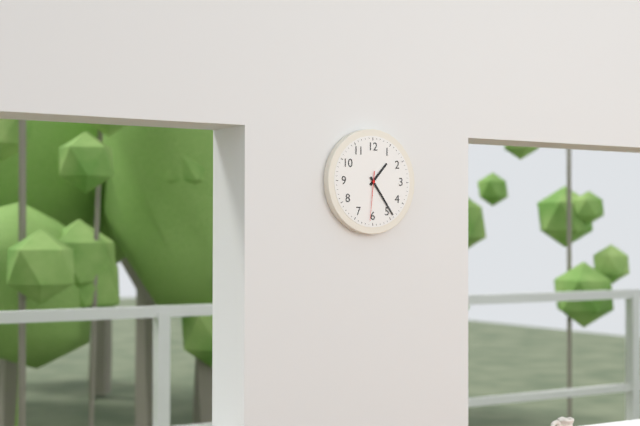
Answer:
1 h 24 min
